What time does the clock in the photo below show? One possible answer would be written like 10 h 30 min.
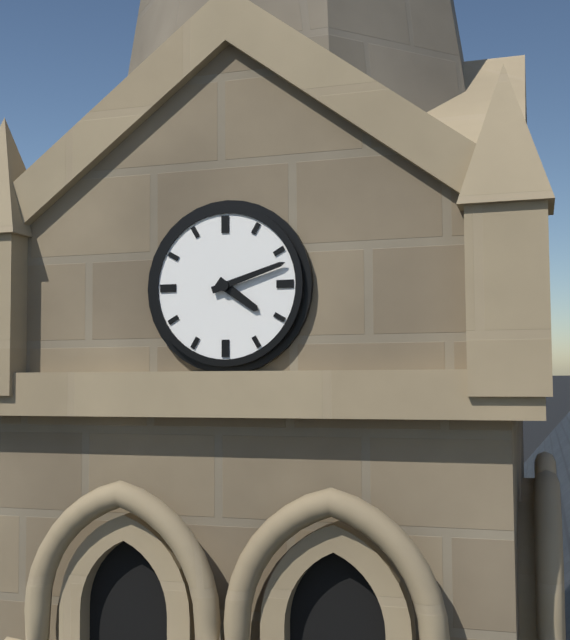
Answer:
4 h 12 min
